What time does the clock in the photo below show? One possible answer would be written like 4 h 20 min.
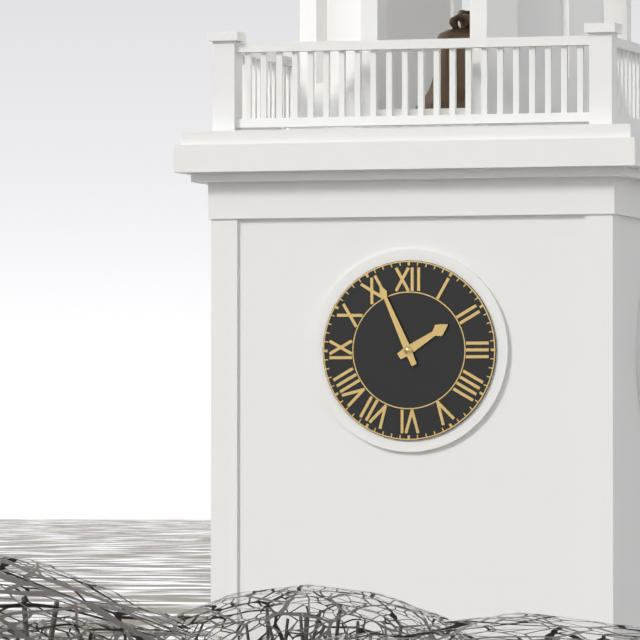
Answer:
1 h 56 min
